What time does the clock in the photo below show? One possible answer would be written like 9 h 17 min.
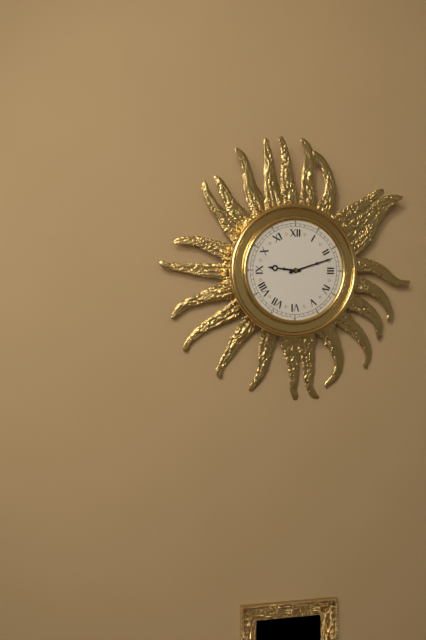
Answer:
9 h 12 min
